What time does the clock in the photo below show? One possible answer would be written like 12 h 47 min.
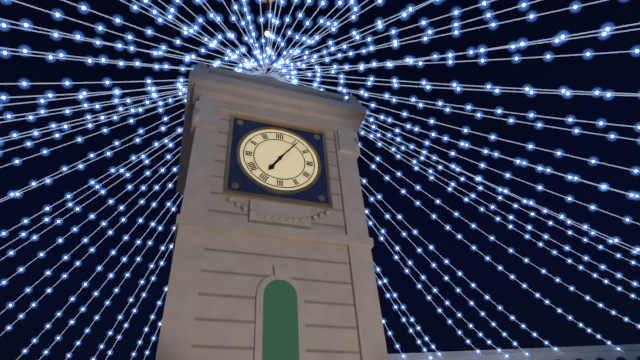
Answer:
7 h 06 min
